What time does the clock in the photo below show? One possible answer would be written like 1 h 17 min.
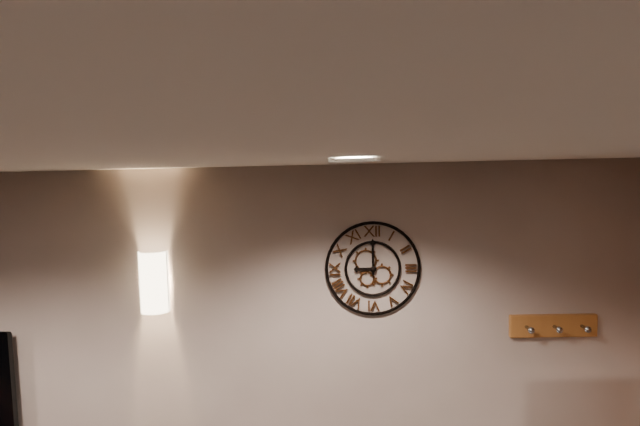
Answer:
9 h 00 min
